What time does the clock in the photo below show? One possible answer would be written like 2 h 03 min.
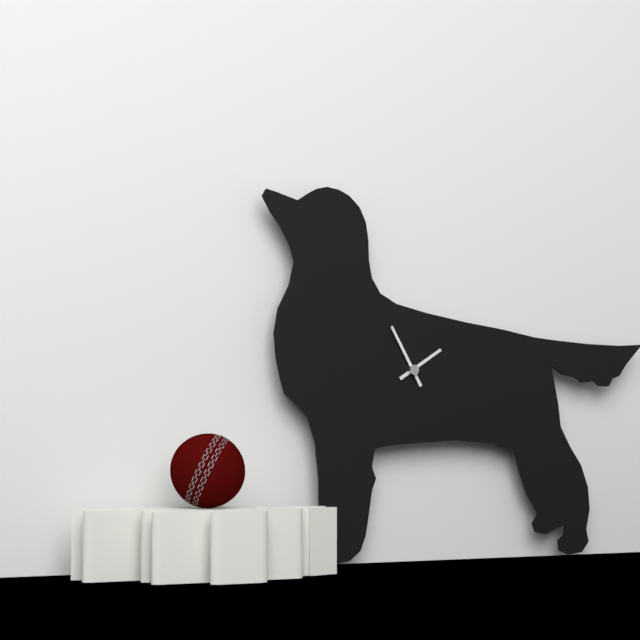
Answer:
1 h 55 min
